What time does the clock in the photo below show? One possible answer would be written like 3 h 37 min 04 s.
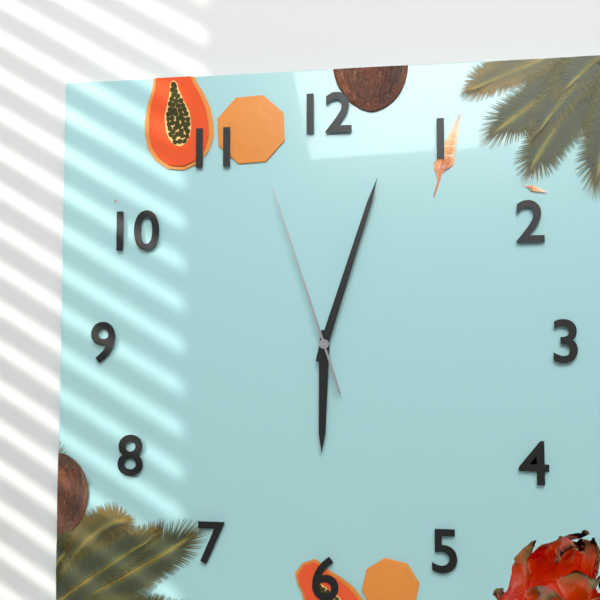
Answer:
6 h 03 min 57 s
